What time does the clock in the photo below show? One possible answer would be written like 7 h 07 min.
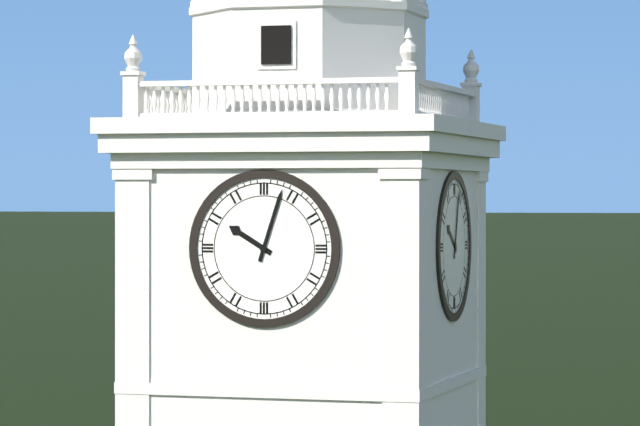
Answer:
10 h 03 min
